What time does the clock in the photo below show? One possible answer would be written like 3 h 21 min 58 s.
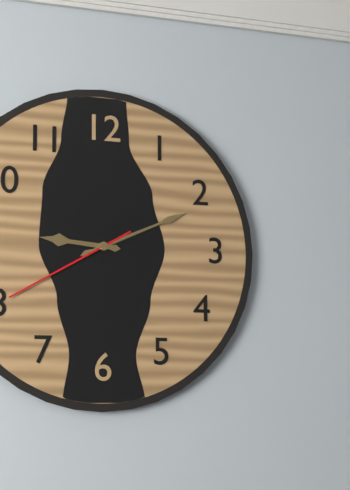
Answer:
9 h 11 min 40 s
